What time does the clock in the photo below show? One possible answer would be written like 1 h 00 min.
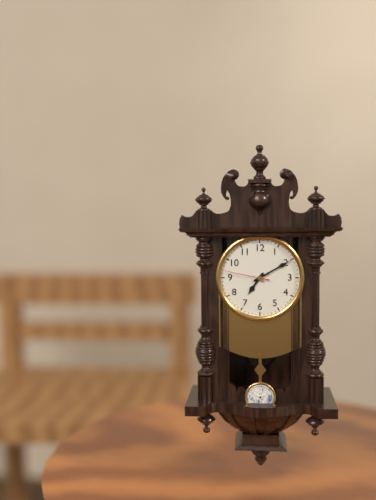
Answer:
7 h 10 min
